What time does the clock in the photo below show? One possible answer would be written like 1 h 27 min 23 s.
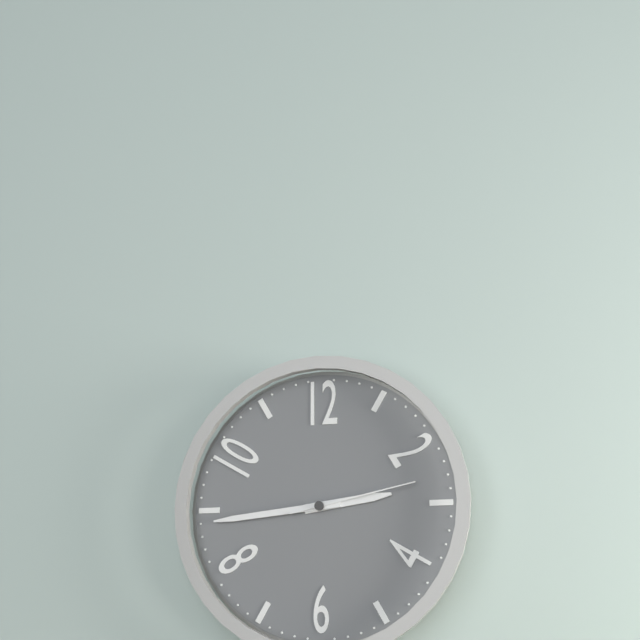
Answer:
2 h 44 min 13 s
